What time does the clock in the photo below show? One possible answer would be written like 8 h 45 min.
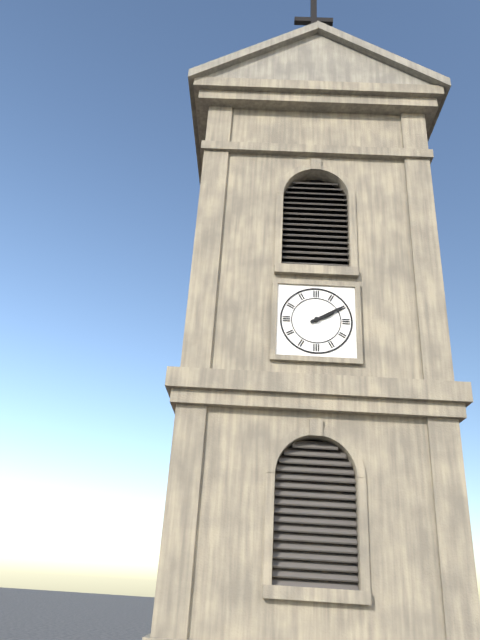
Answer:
2 h 10 min
